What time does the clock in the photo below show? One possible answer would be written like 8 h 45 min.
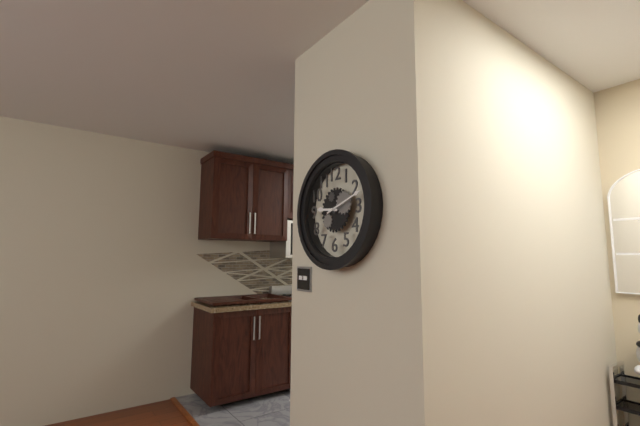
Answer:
9 h 12 min
